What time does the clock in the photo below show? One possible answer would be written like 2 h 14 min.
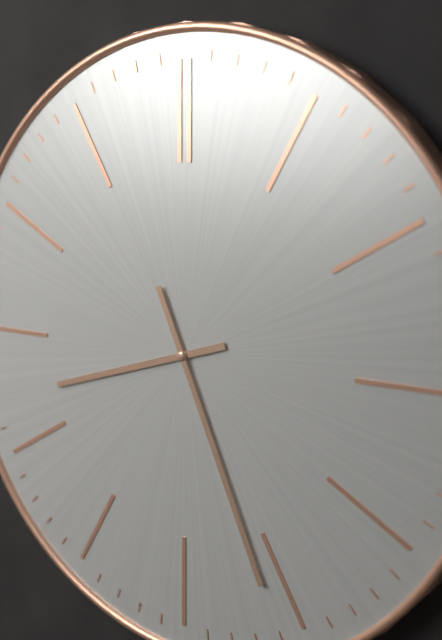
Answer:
8 h 26 min
